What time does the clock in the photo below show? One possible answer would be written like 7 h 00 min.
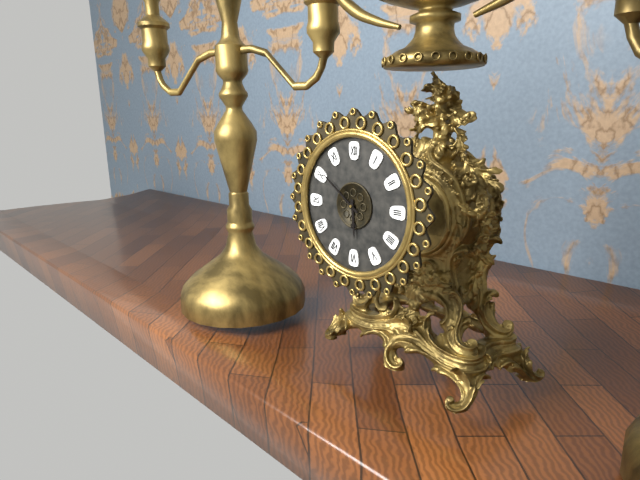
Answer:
5 h 51 min
